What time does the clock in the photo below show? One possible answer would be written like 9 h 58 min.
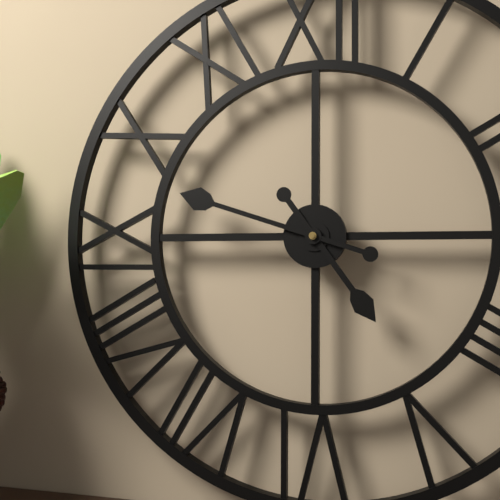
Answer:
4 h 48 min
